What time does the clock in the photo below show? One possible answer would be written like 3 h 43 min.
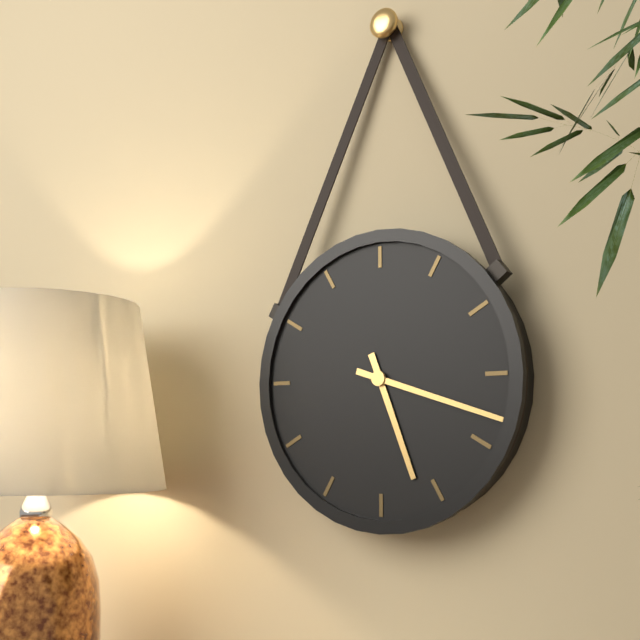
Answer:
5 h 18 min
